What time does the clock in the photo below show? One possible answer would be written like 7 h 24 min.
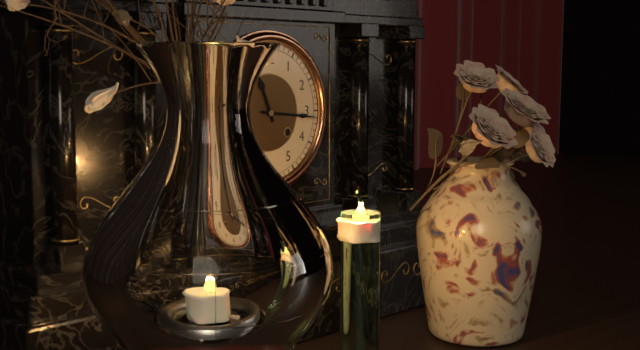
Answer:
11 h 16 min
